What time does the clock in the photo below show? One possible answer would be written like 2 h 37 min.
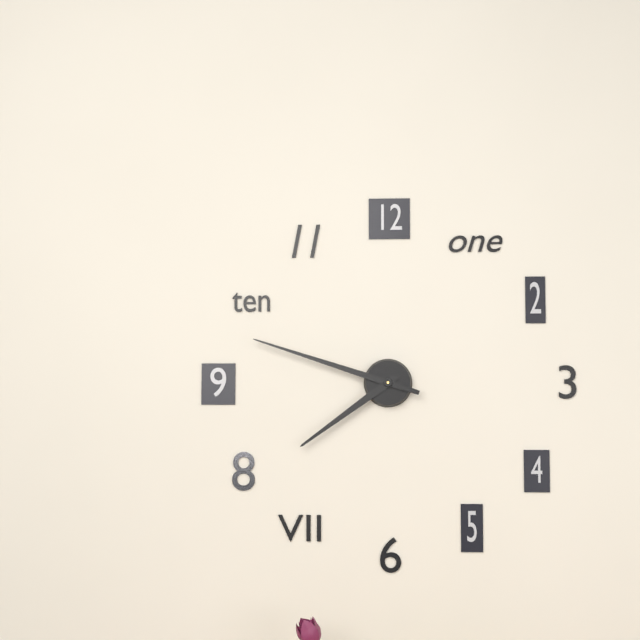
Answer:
7 h 48 min
